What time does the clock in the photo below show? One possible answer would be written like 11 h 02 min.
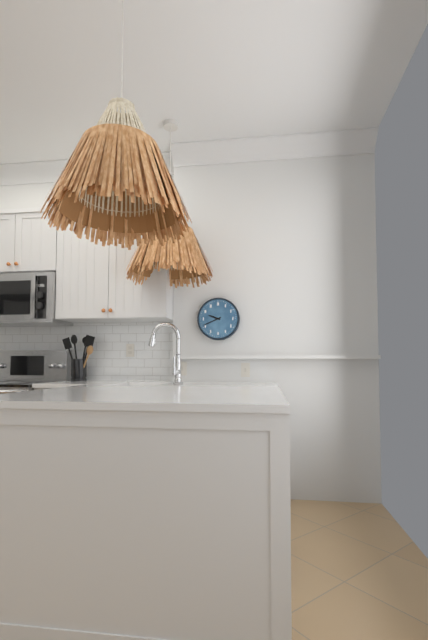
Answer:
9 h 41 min
